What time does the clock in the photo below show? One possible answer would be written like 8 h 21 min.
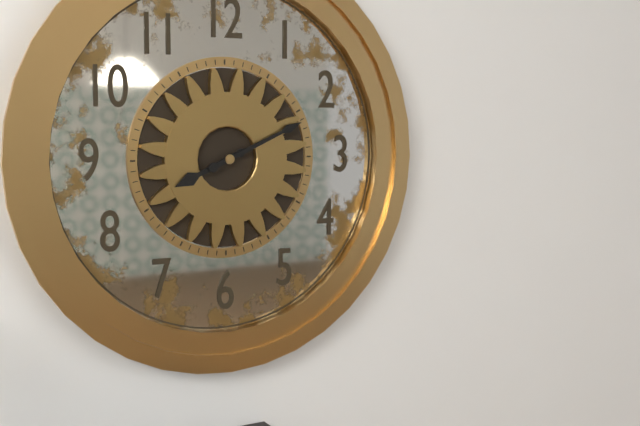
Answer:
8 h 11 min
